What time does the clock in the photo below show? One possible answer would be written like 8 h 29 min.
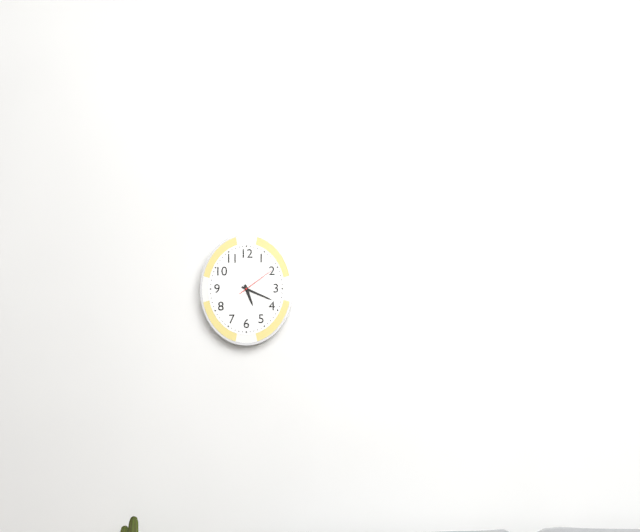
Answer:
5 h 19 min
